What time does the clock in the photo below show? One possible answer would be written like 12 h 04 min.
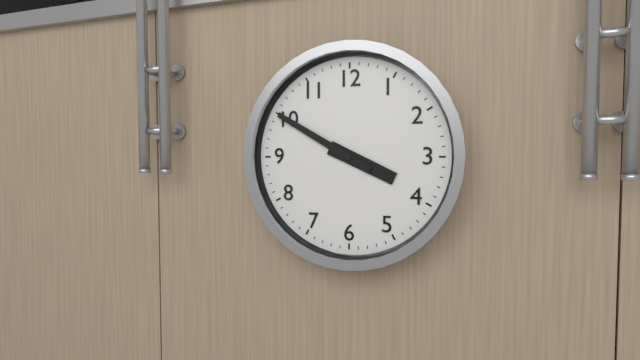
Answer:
3 h 50 min
